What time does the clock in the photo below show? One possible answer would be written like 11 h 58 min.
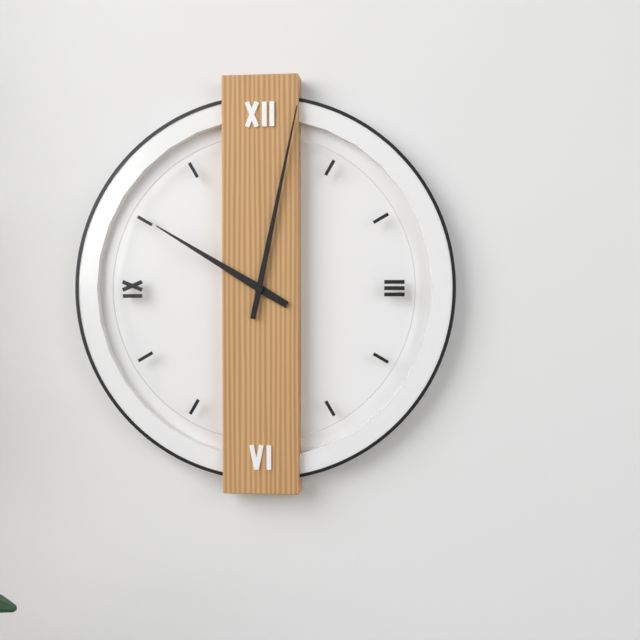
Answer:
10 h 02 min
